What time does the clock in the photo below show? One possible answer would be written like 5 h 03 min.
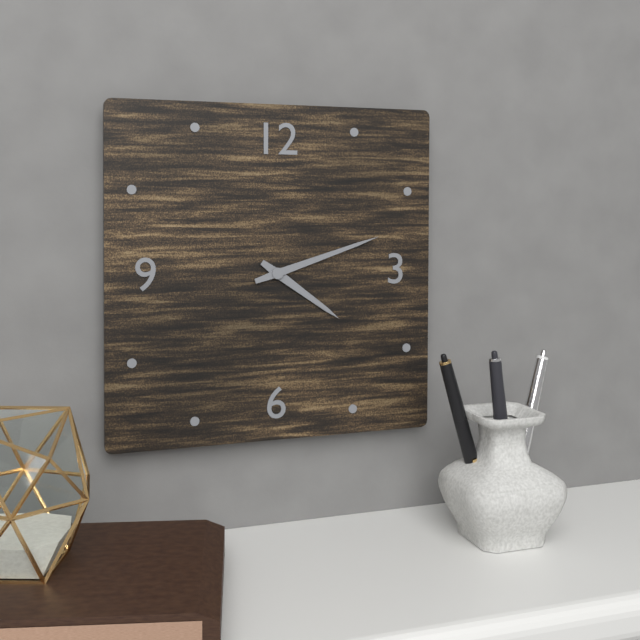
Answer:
4 h 12 min
